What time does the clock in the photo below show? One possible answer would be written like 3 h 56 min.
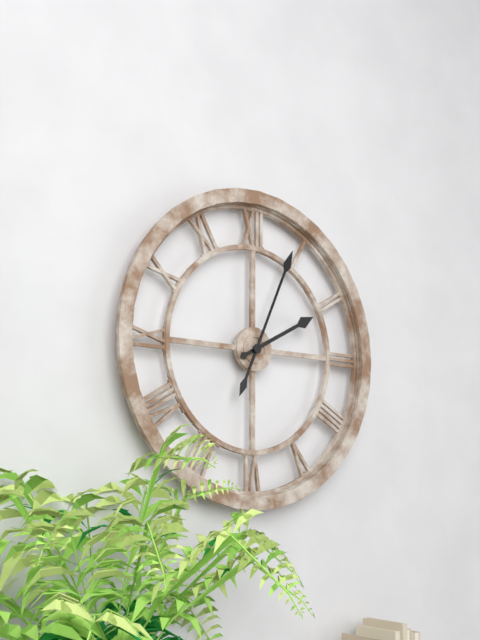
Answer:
2 h 04 min
